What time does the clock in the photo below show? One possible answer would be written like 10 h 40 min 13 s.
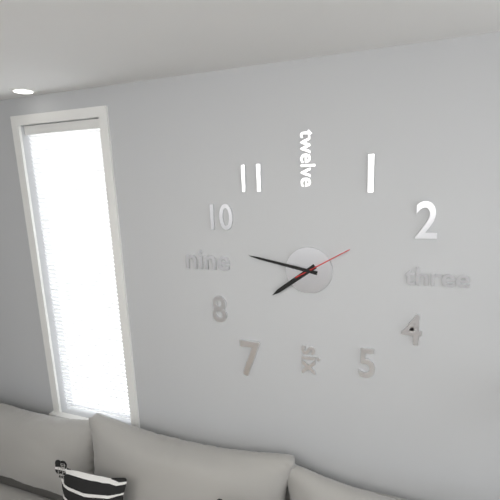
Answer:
7 h 47 min 10 s
